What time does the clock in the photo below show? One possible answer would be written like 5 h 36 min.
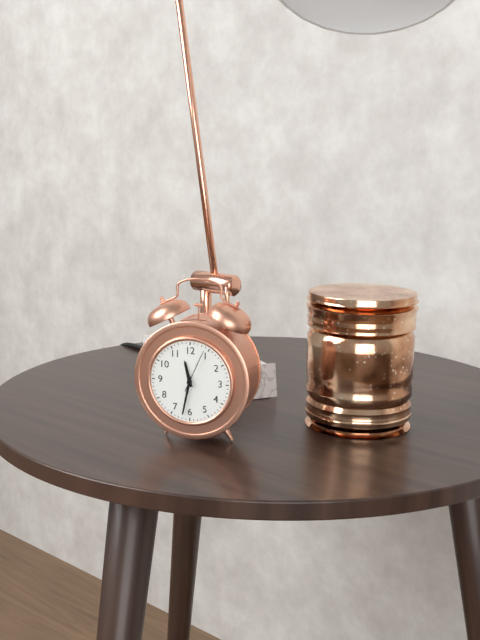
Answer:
11 h 32 min
